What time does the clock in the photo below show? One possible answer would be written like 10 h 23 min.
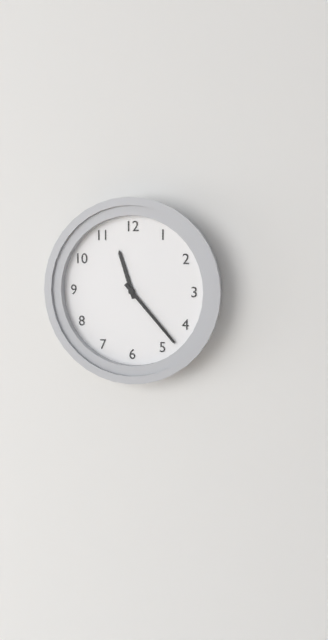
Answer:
11 h 23 min
